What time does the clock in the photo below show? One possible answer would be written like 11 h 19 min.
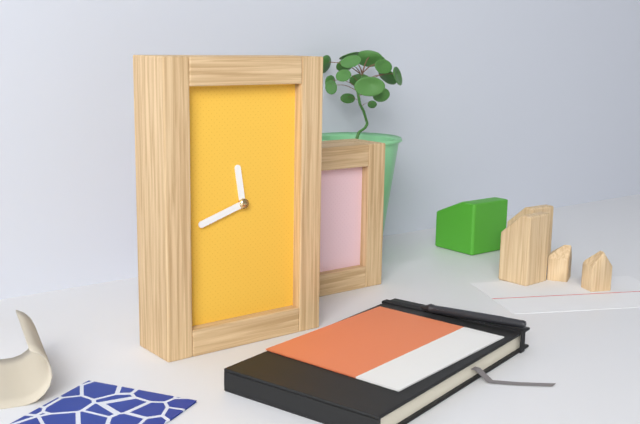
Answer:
11 h 42 min
